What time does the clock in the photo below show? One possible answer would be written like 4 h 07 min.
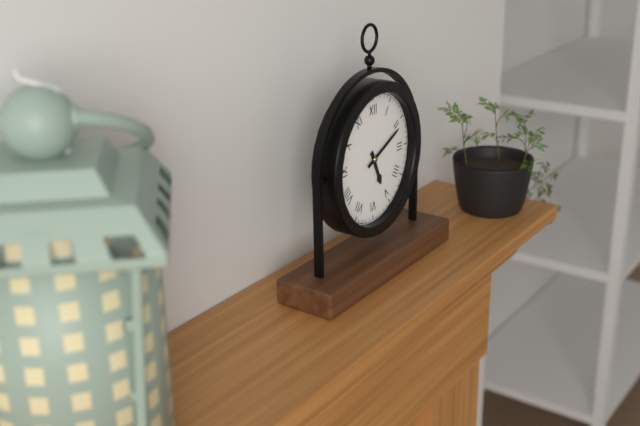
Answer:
5 h 11 min
